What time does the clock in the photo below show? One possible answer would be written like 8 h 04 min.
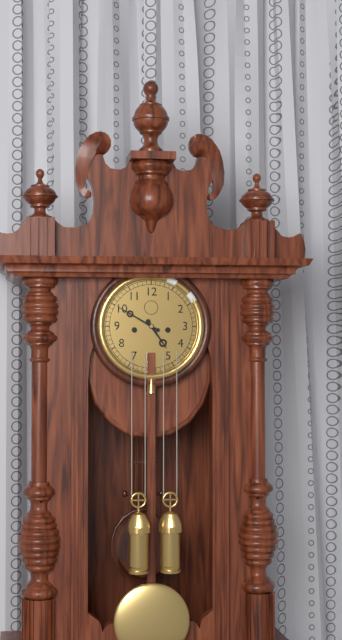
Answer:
4 h 50 min
